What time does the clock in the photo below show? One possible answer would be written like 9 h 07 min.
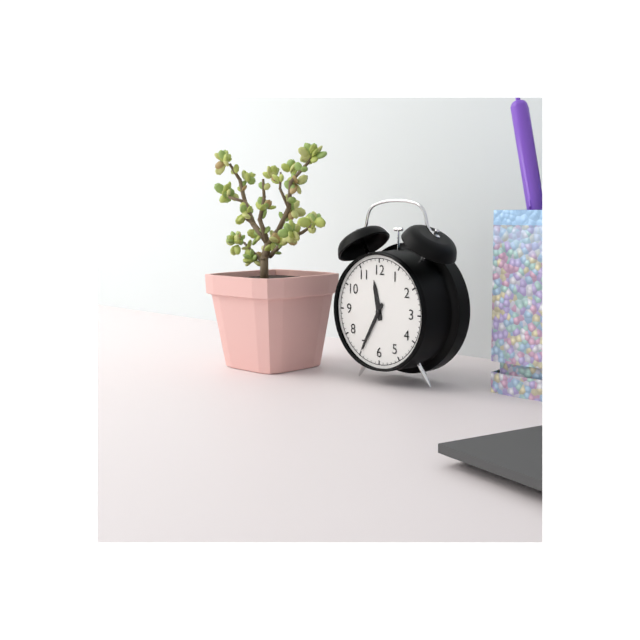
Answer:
11 h 35 min
